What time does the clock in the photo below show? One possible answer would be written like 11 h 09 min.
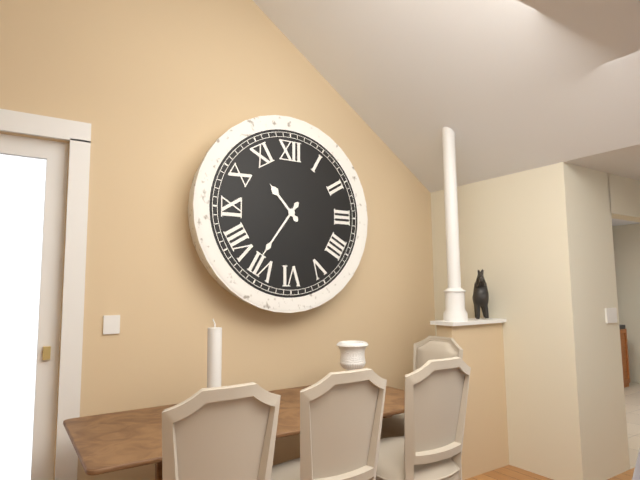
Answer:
10 h 36 min
